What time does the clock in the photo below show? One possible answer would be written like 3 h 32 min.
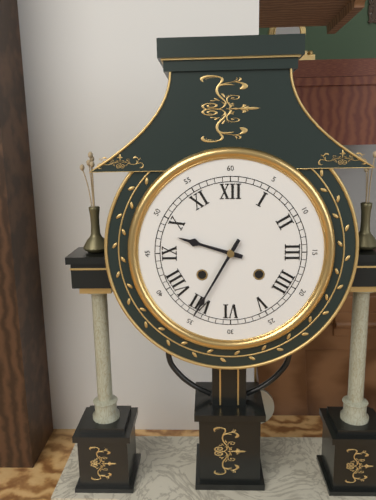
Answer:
9 h 35 min
